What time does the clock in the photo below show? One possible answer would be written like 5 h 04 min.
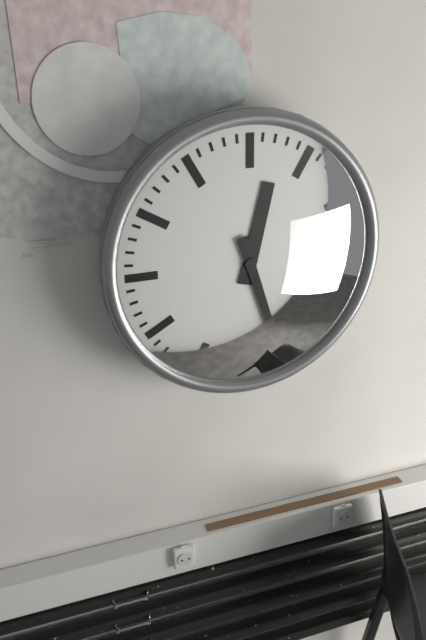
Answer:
12 h 27 min
